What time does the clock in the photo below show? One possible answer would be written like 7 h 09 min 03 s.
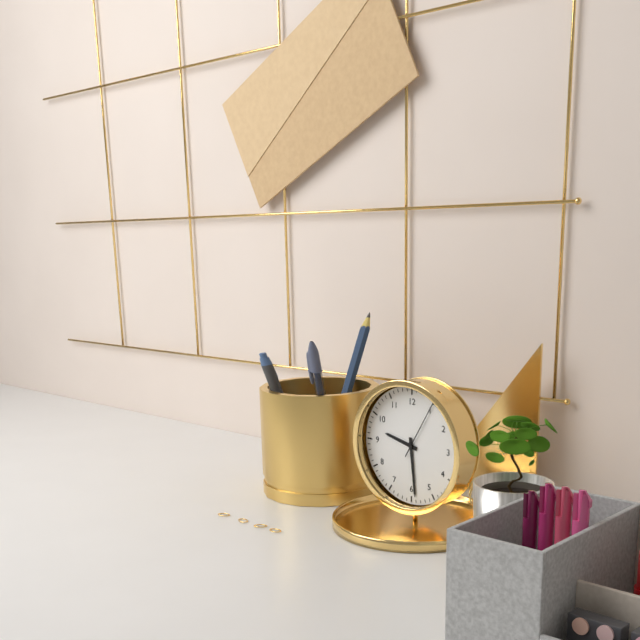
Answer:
9 h 29 min 05 s
